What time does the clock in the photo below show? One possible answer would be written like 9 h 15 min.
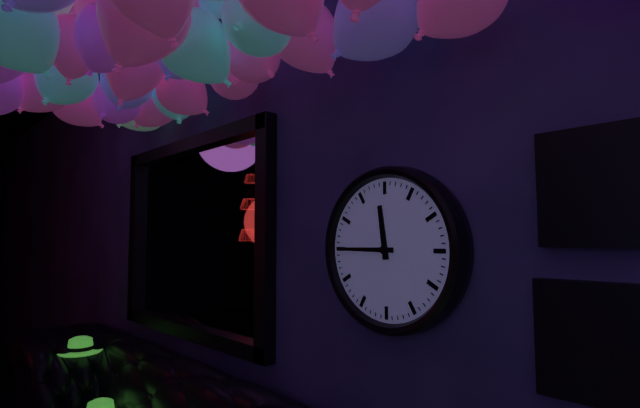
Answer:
11 h 45 min
